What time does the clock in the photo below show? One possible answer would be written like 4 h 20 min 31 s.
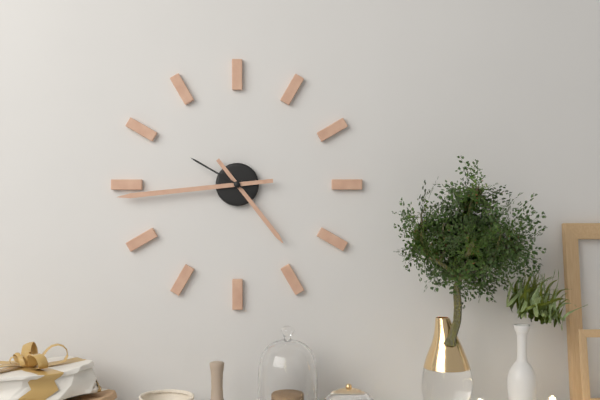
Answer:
4 h 44 min 50 s
